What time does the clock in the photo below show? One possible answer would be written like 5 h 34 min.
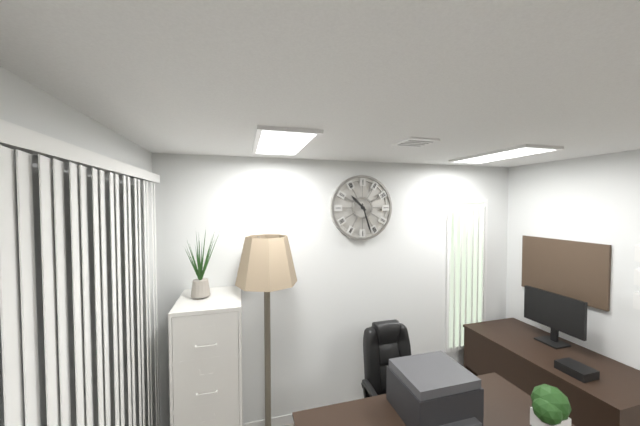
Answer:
10 h 27 min
